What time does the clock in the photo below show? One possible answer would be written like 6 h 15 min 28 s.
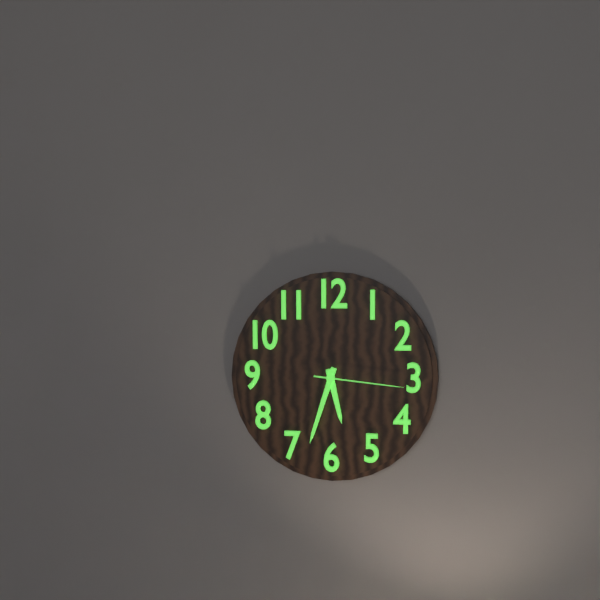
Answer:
5 h 33 min 16 s
